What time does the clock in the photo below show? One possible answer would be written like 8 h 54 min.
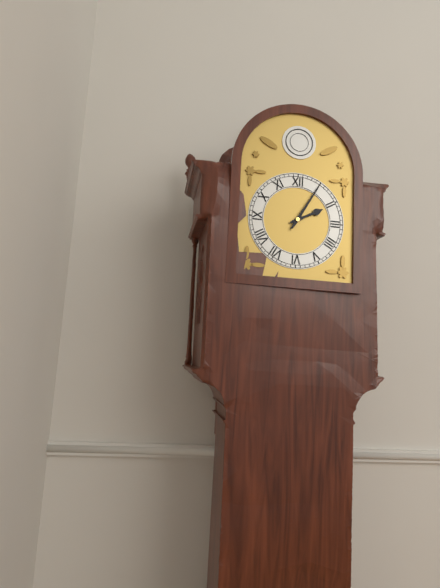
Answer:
2 h 05 min
